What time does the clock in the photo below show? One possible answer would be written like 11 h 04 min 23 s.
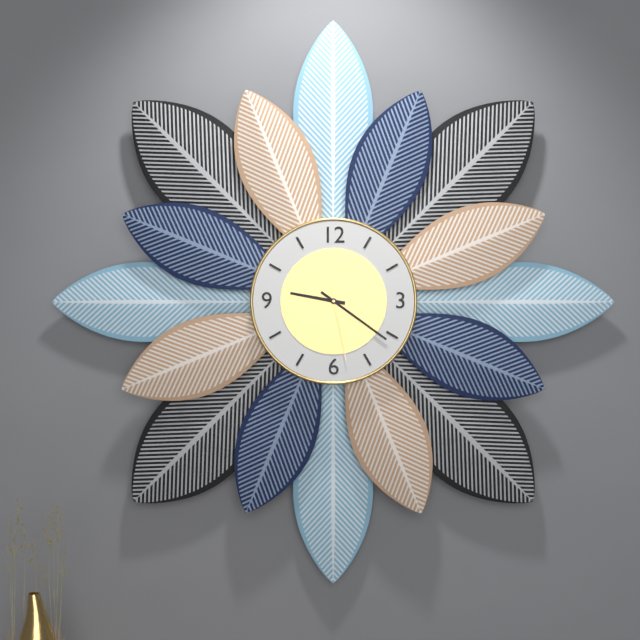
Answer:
9 h 21 min 28 s
